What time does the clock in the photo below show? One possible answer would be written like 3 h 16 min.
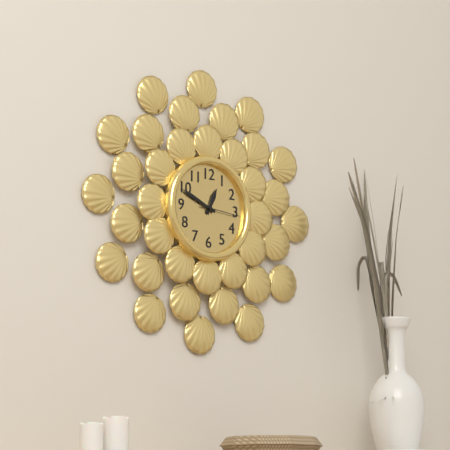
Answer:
12 h 49 min
